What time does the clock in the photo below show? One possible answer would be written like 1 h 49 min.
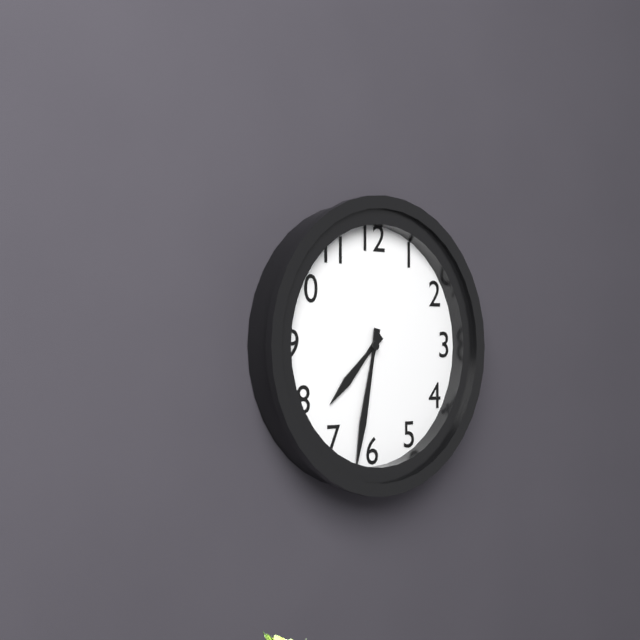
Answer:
7 h 32 min
